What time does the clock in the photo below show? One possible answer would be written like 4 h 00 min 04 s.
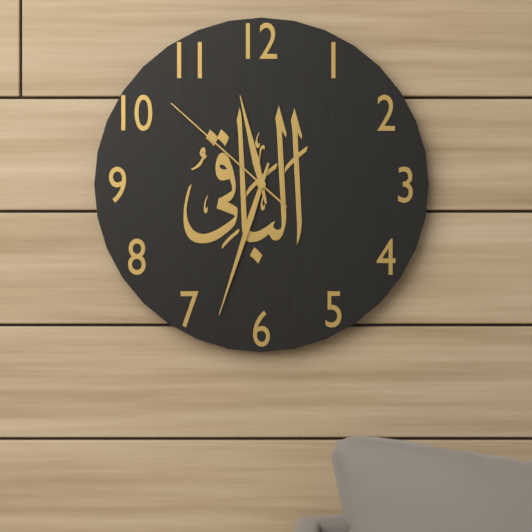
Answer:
11 h 33 min 52 s
